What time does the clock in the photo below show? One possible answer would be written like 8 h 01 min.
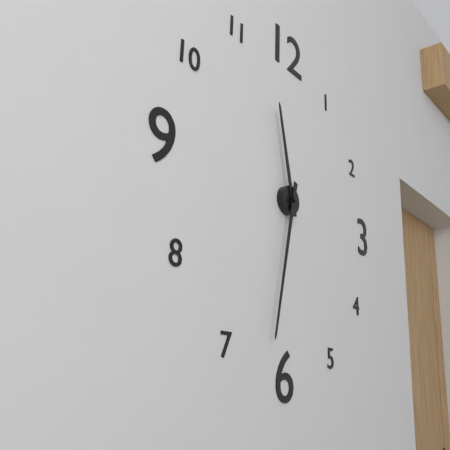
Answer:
11 h 32 min
